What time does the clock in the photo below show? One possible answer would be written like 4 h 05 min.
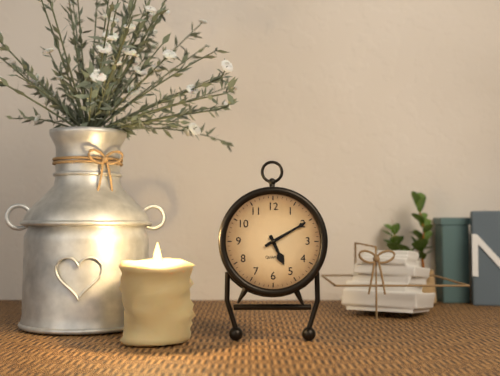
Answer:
5 h 10 min
